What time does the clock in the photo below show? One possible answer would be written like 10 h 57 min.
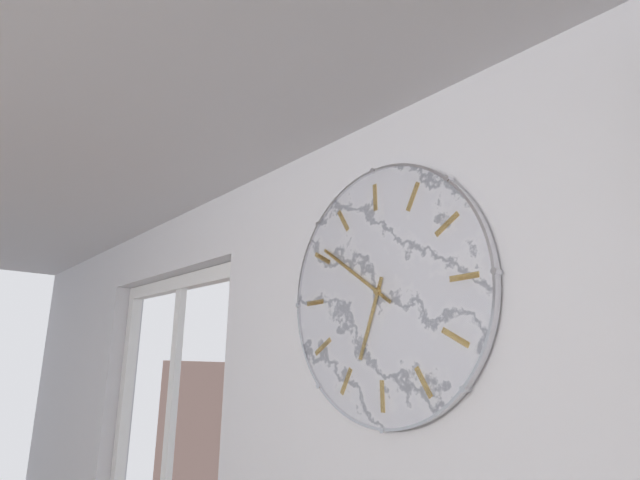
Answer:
5 h 46 min
